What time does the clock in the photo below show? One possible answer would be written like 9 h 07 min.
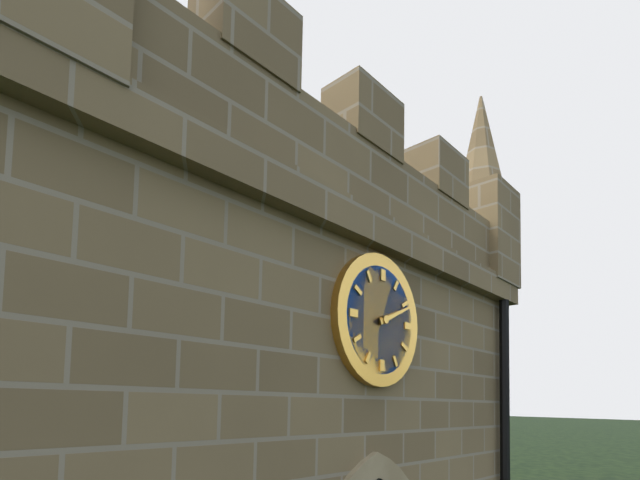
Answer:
2 h 11 min
